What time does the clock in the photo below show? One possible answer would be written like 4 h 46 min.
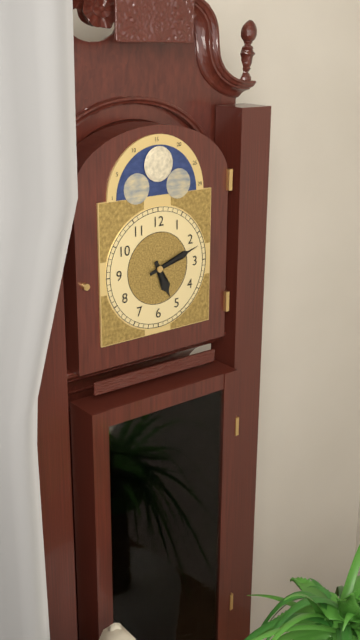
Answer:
5 h 12 min
